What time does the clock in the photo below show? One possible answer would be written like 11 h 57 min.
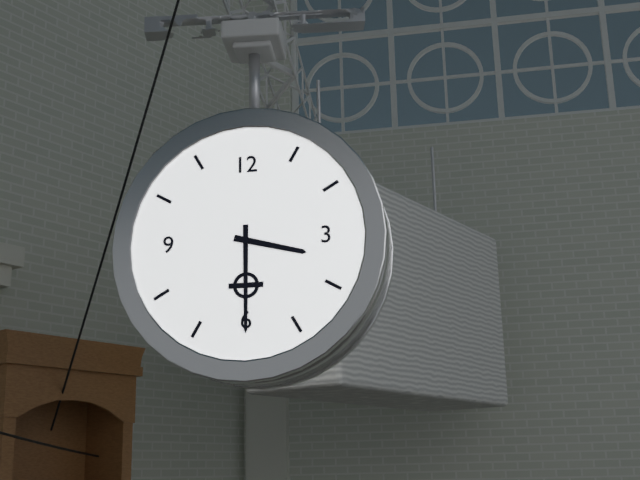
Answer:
3 h 30 min
